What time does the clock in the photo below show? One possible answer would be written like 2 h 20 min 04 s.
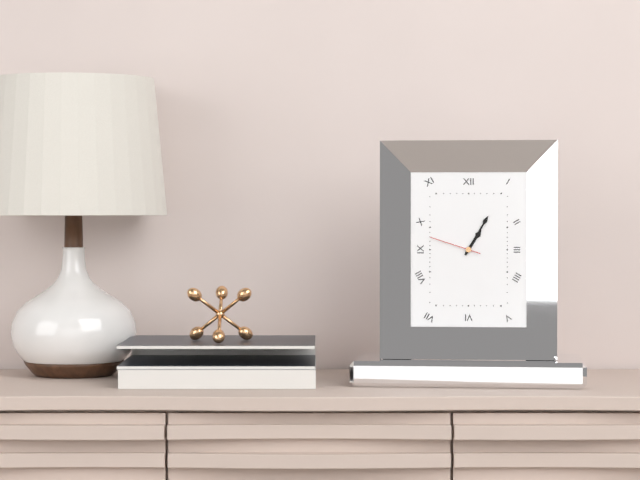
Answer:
1 h 05 min 48 s
